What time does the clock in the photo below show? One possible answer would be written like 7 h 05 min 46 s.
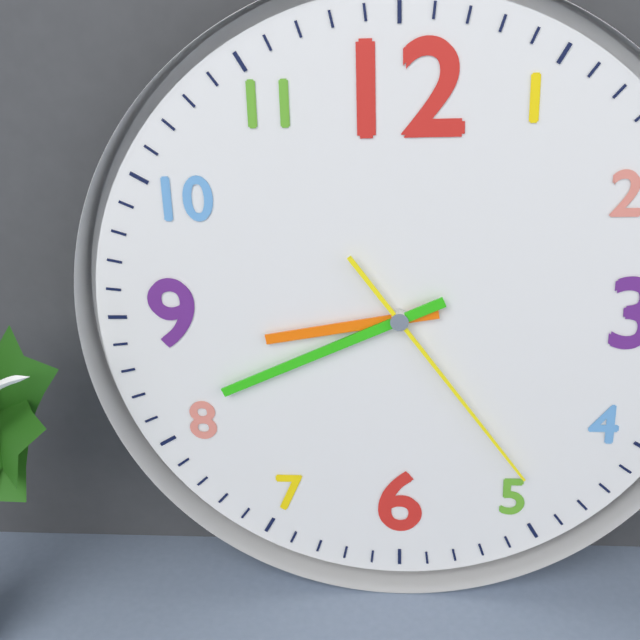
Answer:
8 h 41 min 24 s
